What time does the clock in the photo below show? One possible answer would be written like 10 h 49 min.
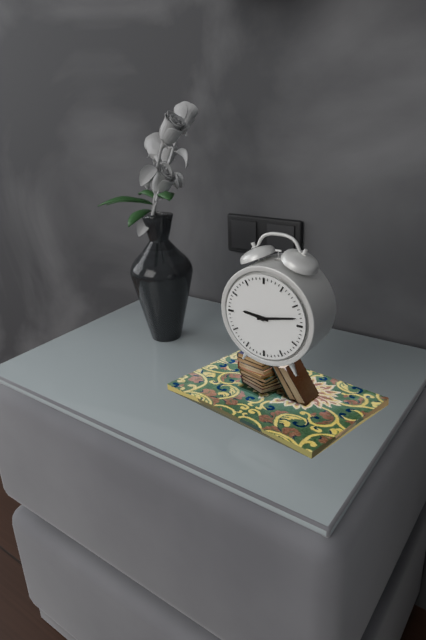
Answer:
9 h 13 min
